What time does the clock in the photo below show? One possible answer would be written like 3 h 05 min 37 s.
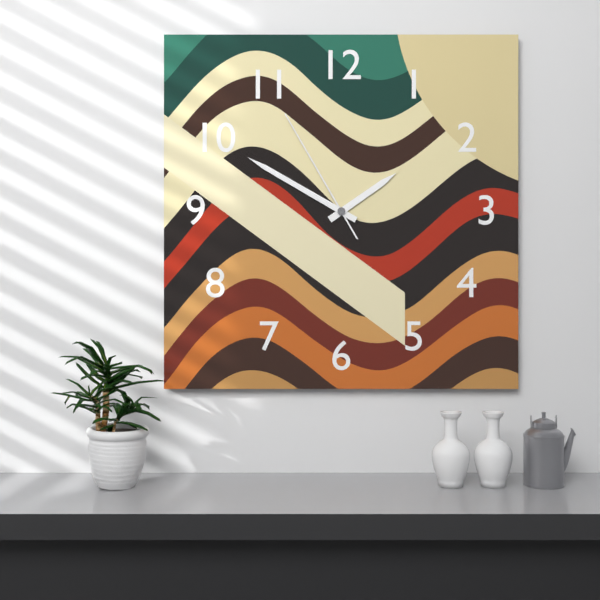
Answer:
1 h 50 min 55 s
